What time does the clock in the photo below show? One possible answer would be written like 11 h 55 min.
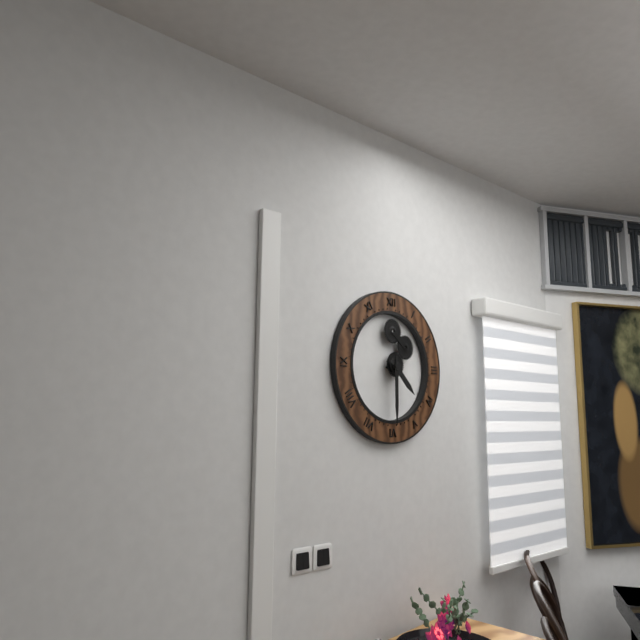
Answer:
4 h 30 min
